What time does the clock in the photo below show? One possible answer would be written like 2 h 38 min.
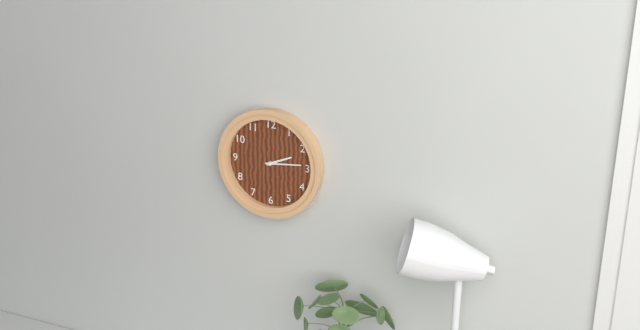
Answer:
2 h 14 min
